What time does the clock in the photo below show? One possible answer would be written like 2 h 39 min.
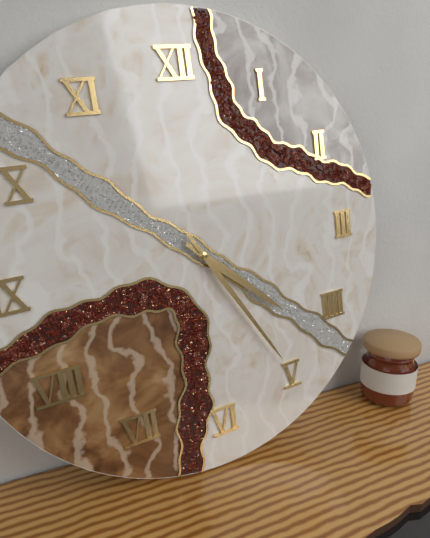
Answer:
4 h 25 min
